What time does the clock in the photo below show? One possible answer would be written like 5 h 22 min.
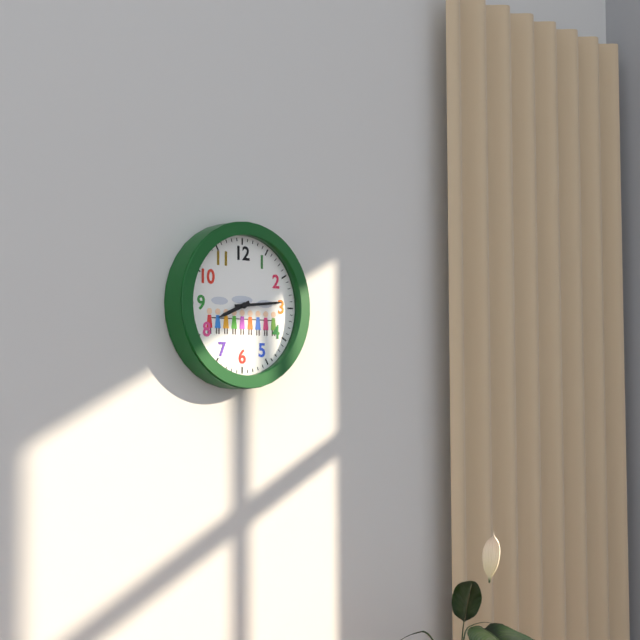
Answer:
8 h 14 min
